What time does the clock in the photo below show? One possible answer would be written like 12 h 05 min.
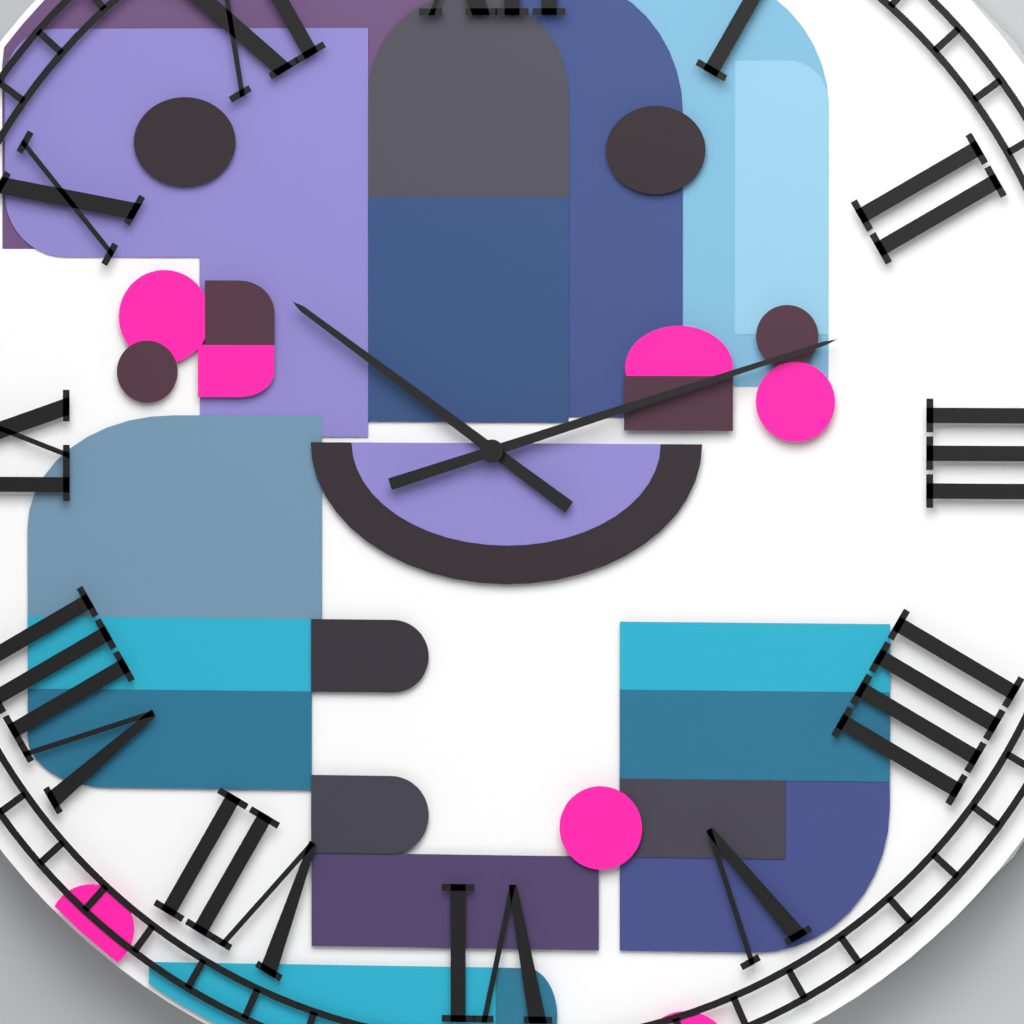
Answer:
10 h 12 min
